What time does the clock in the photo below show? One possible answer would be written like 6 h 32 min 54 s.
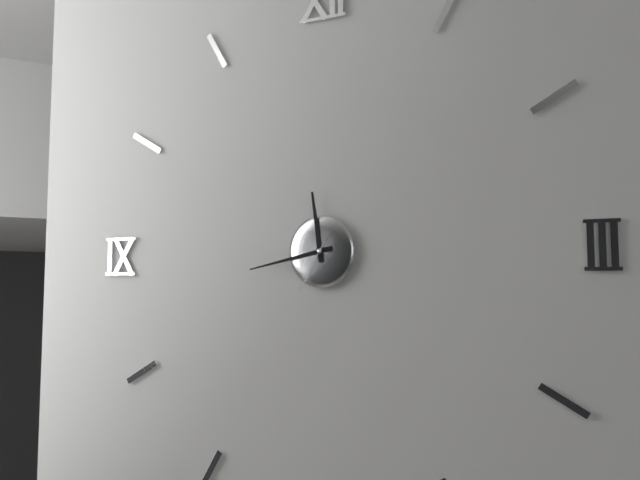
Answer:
11 h 43 min 35 s
